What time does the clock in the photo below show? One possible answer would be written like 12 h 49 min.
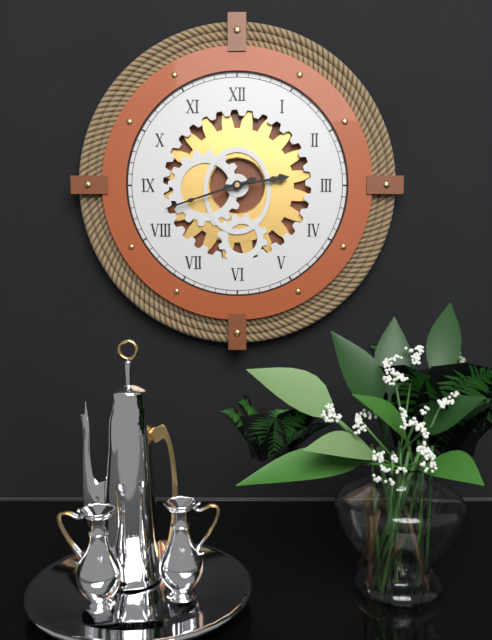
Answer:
2 h 42 min
